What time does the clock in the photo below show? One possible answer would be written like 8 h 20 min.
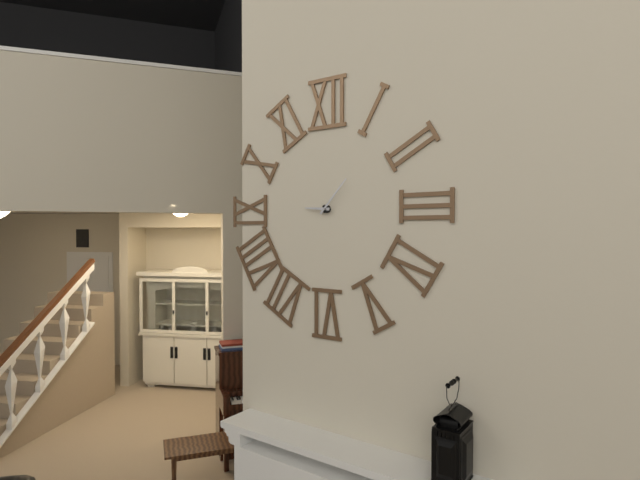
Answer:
9 h 07 min
